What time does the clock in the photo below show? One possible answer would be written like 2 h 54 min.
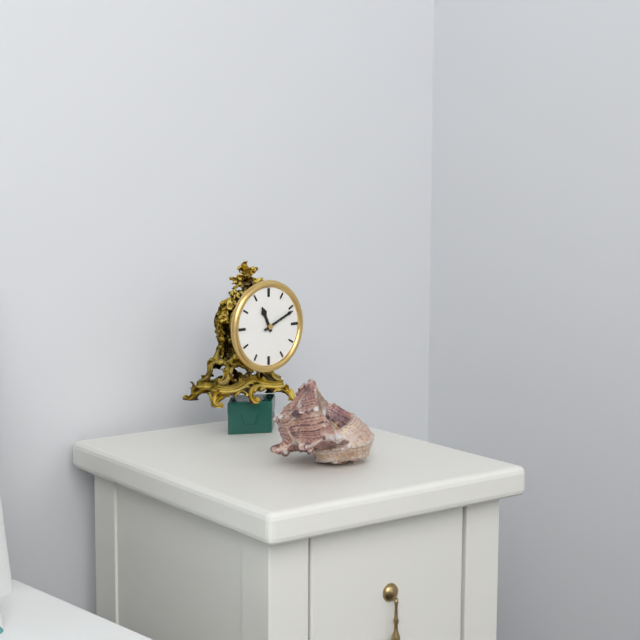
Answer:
11 h 11 min
